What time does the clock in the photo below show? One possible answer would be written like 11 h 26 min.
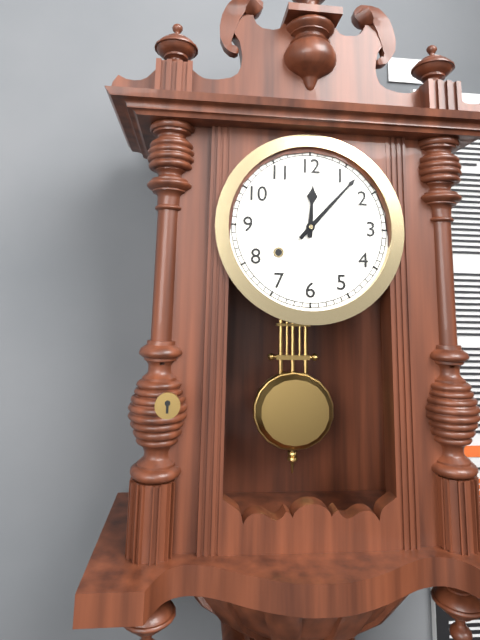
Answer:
12 h 07 min
